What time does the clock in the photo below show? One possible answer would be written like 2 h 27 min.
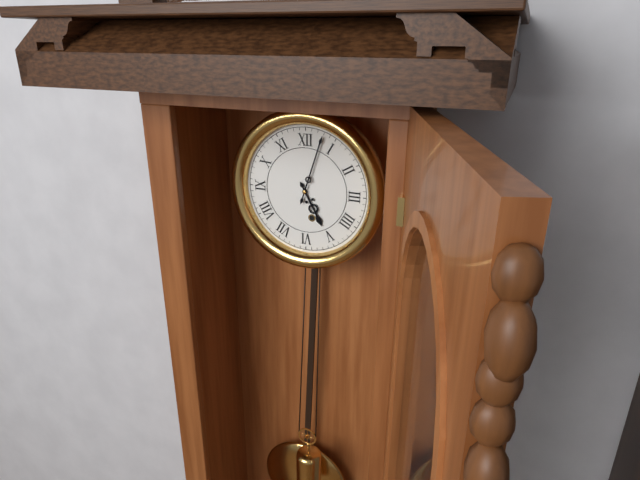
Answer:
5 h 03 min
